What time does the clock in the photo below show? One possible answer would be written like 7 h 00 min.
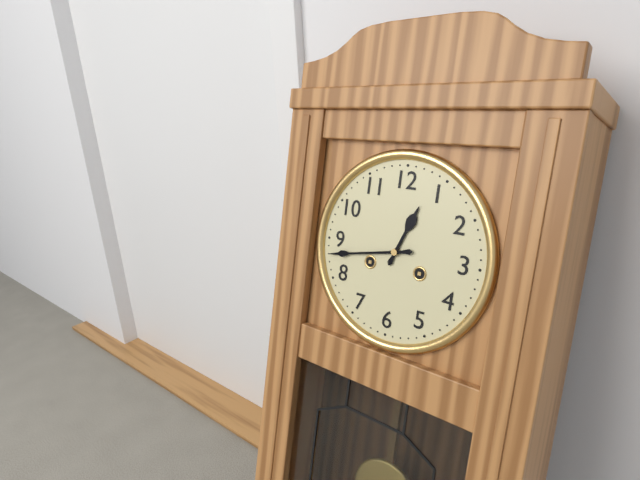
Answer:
12 h 43 min
